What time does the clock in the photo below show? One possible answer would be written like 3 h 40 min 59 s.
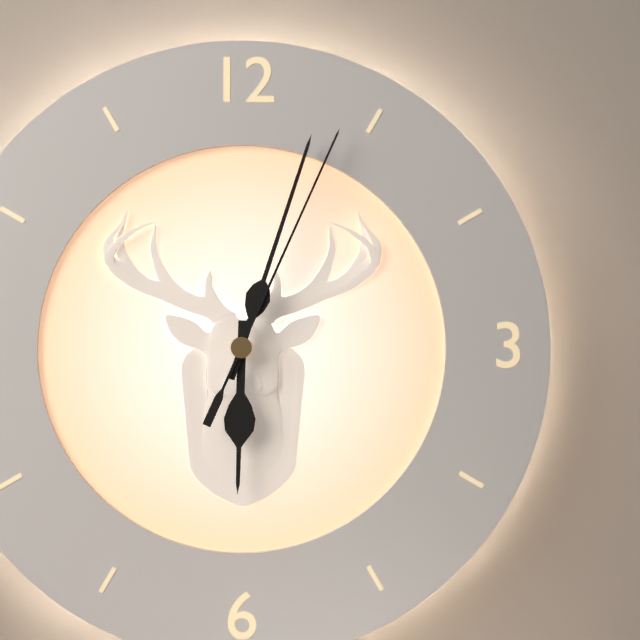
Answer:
6 h 03 min 04 s
